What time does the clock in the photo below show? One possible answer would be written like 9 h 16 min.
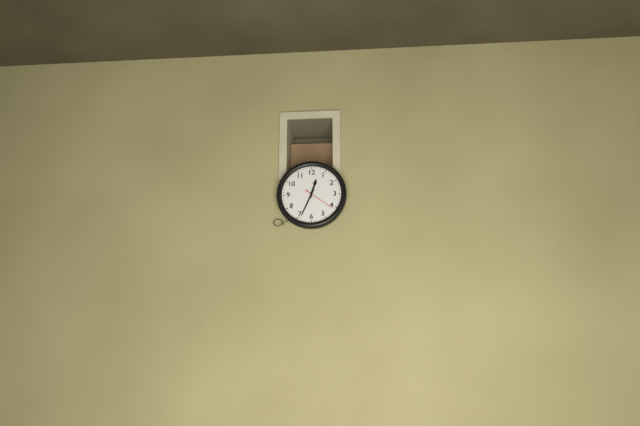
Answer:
12 h 34 min
